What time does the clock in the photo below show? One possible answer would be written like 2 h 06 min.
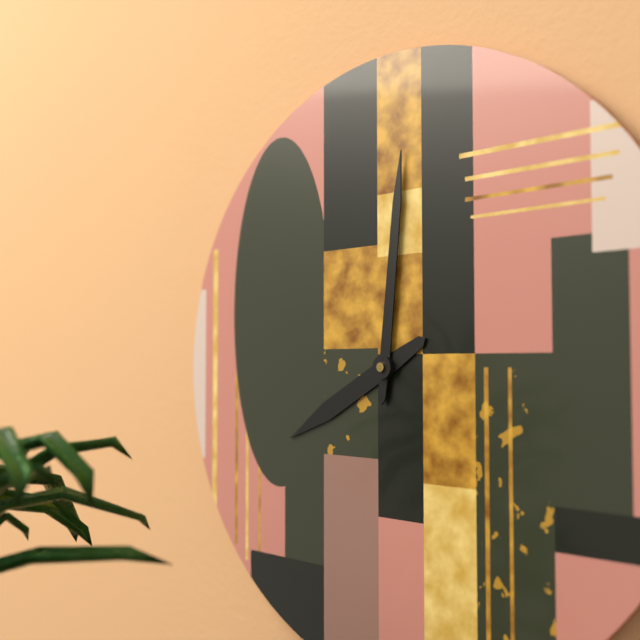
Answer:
8 h 01 min
